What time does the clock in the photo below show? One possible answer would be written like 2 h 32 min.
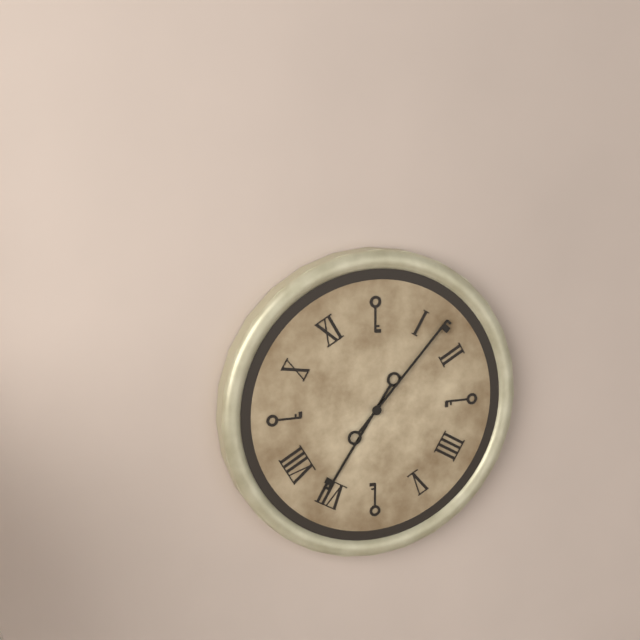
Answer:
7 h 07 min
